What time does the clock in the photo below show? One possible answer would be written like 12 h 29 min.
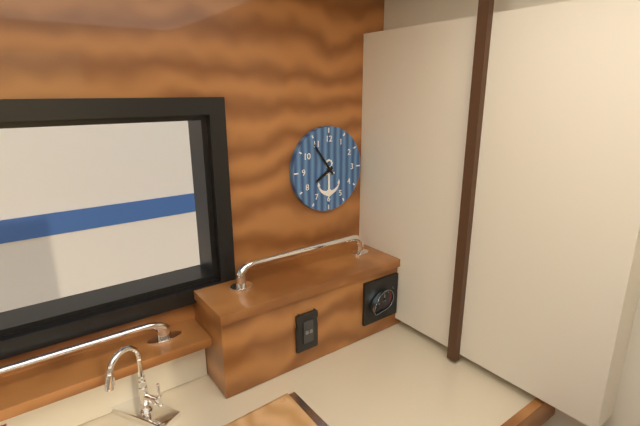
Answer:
7 h 54 min
